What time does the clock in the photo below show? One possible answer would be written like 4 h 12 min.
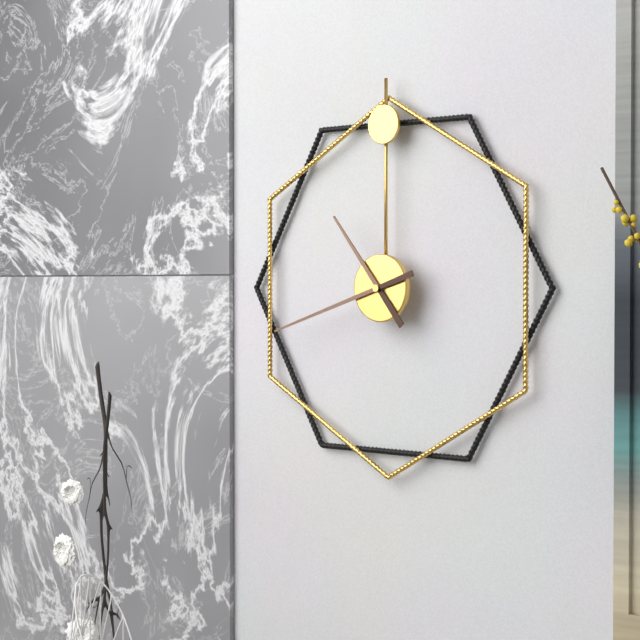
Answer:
10 h 42 min
